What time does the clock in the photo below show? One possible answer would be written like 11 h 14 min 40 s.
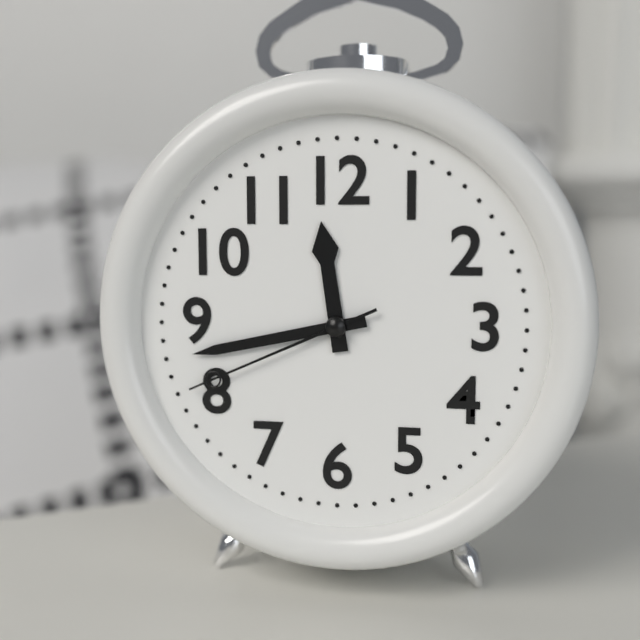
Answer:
11 h 43 min 41 s
